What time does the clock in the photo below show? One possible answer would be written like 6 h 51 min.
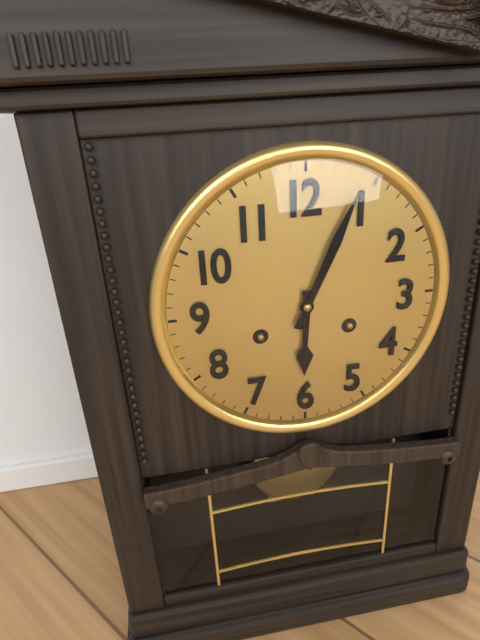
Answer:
6 h 04 min
